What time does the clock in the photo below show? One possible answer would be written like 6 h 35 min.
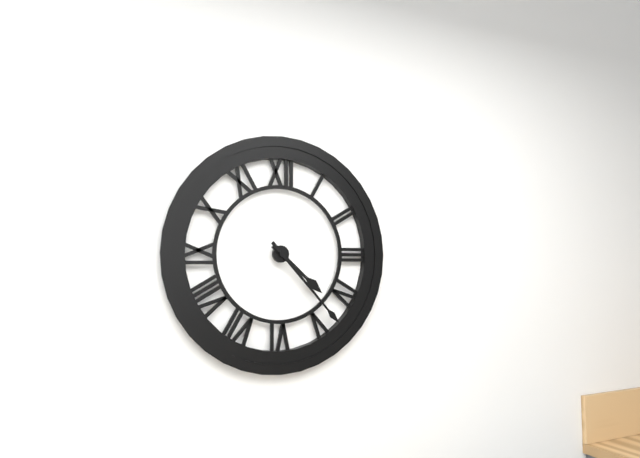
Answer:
4 h 23 min
